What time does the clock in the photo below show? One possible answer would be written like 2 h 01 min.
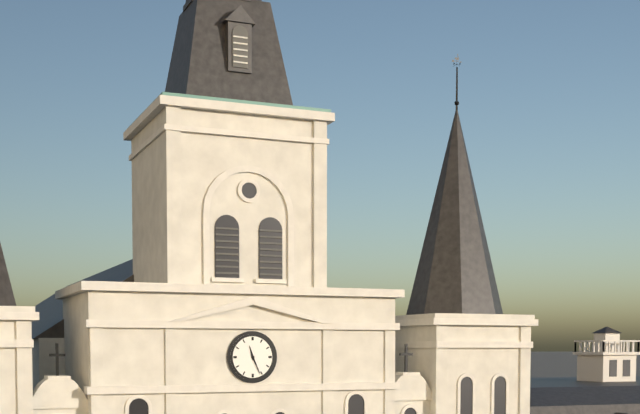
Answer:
11 h 26 min
